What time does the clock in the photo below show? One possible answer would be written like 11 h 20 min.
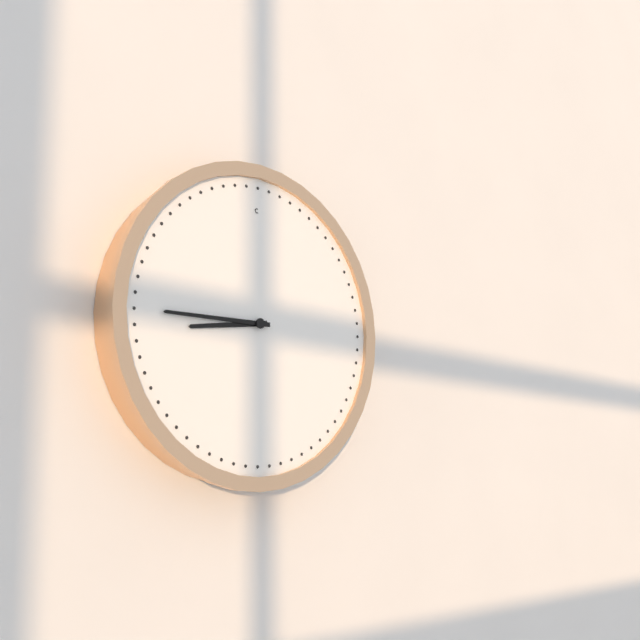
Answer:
8 h 45 min
